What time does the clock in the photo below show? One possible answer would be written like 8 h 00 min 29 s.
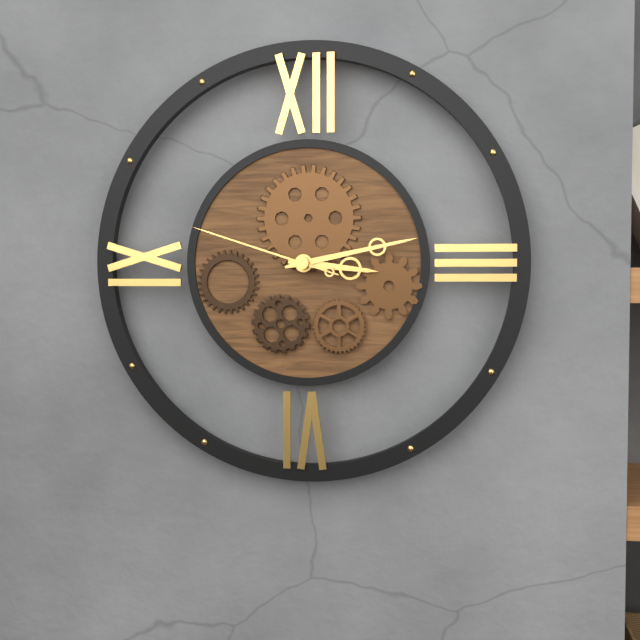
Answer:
3 h 13 min 48 s
